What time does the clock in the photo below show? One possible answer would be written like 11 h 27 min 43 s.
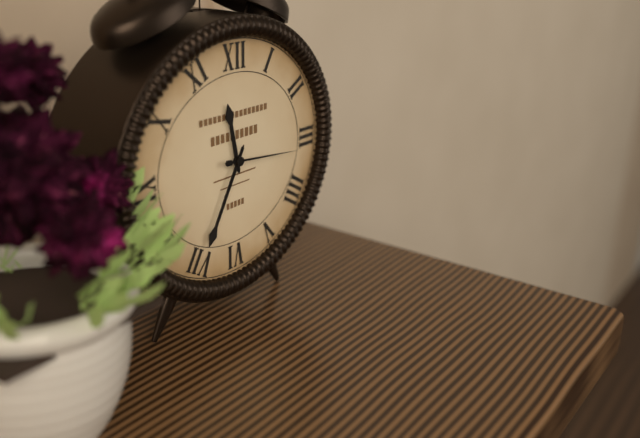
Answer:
11 h 35 min 16 s
